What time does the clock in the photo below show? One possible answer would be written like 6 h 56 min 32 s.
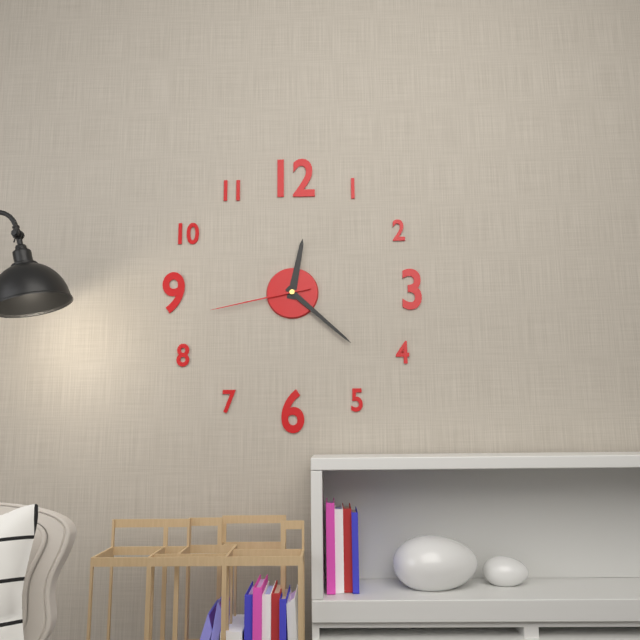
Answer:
12 h 22 min 43 s
